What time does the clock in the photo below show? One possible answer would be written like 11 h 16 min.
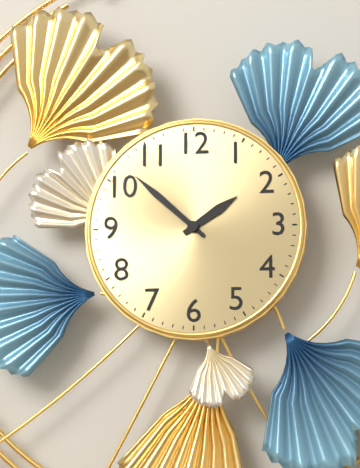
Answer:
1 h 52 min
